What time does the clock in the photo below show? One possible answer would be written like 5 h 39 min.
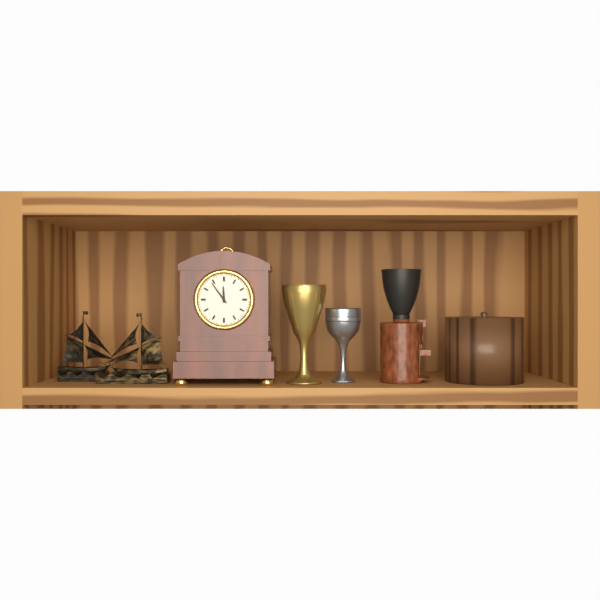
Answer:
11 h 54 min
